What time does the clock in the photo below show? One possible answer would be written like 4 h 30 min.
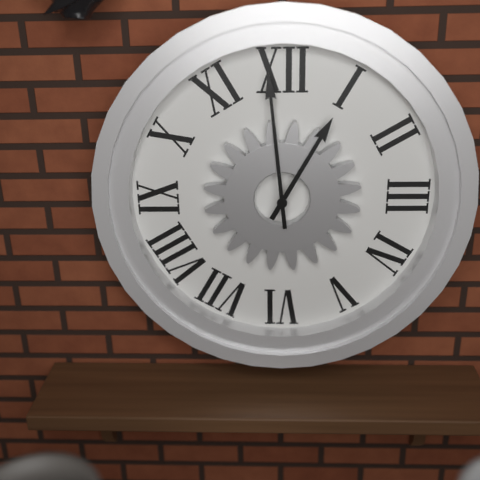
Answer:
12 h 59 min
